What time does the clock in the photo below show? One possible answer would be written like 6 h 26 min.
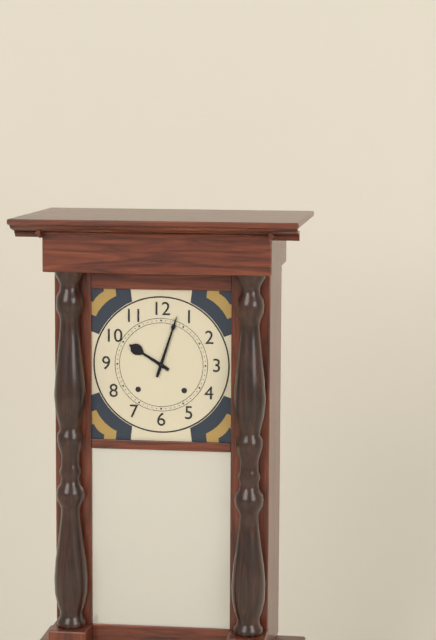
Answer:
10 h 03 min
